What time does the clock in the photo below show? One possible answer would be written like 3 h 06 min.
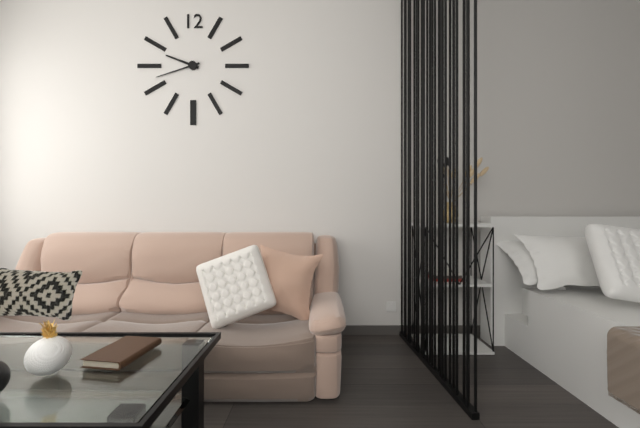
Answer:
9 h 42 min
